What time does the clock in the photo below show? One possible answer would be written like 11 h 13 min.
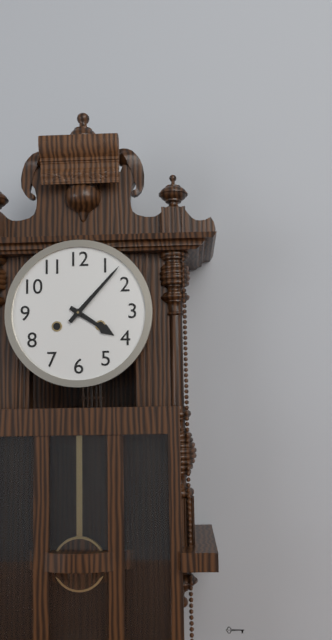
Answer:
4 h 07 min
